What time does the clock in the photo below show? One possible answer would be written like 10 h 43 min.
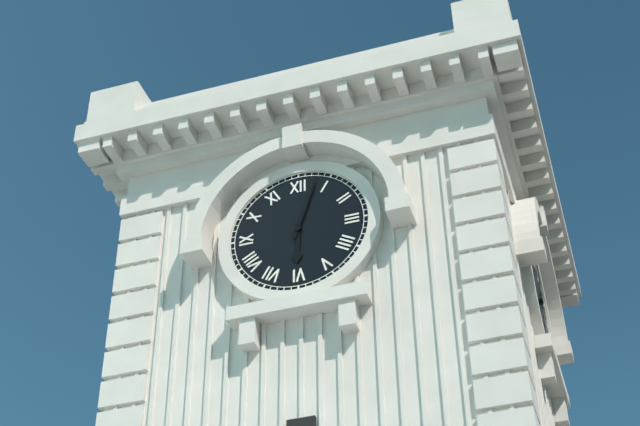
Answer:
6 h 03 min
